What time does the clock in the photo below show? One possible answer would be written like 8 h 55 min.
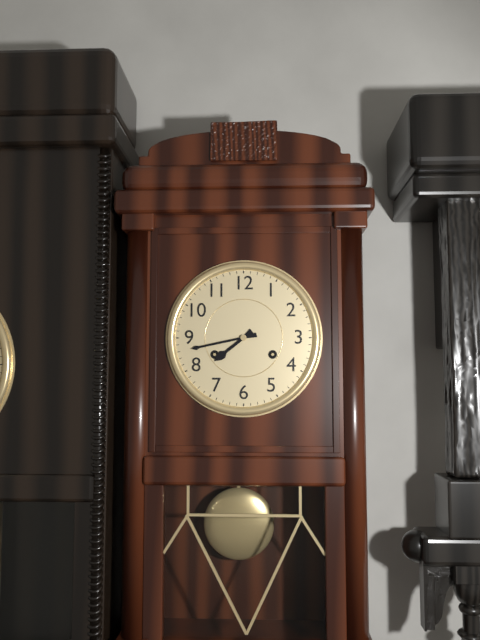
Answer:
7 h 43 min
